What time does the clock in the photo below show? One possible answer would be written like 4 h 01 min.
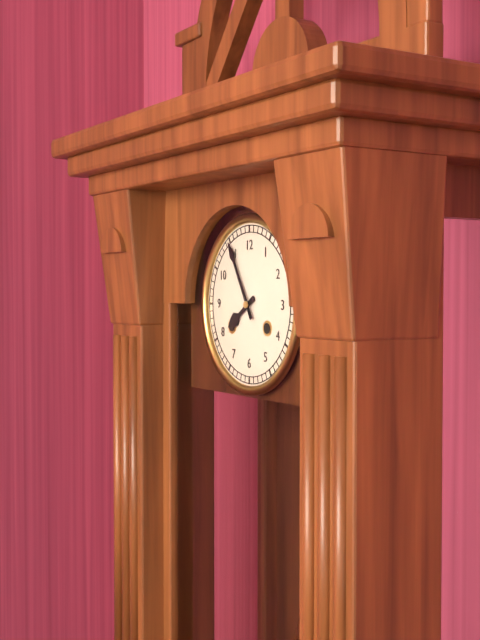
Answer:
7 h 55 min
